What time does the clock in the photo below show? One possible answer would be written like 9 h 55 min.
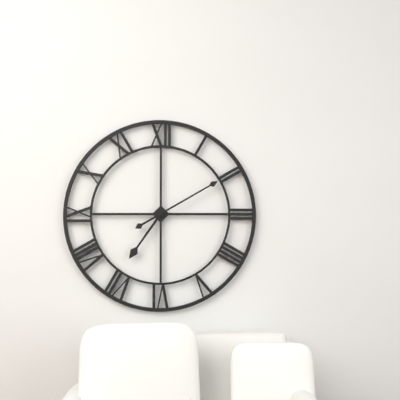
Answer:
7 h 10 min
